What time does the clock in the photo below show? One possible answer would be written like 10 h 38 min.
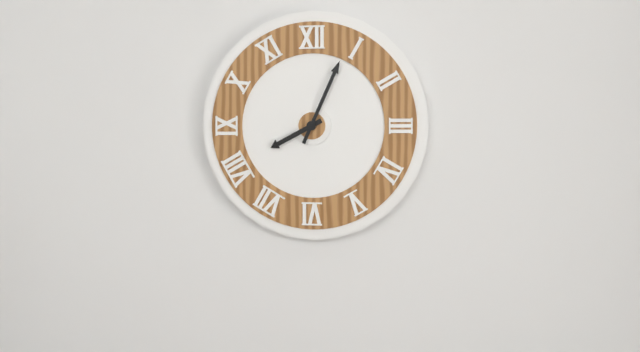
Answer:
8 h 04 min
